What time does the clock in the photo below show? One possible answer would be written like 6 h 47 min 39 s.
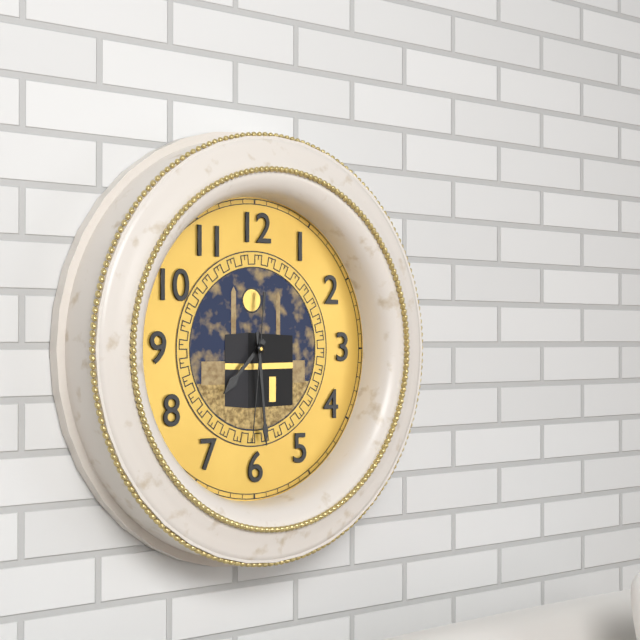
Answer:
7 h 29 min 31 s
